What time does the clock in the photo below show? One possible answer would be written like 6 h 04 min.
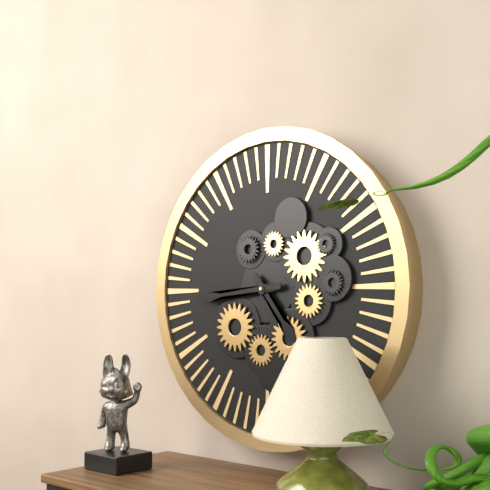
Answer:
4 h 44 min
